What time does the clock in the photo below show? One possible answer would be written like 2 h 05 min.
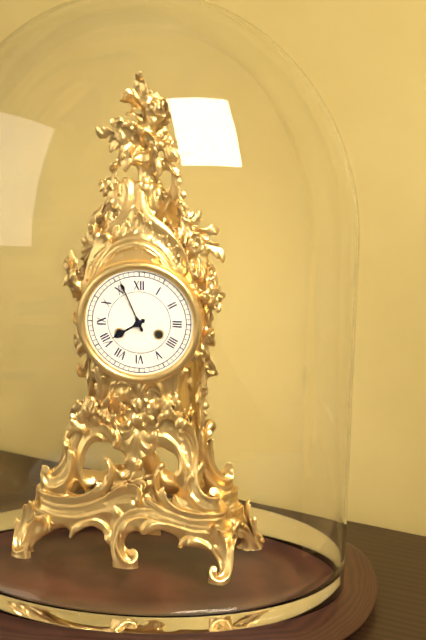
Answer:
7 h 56 min
